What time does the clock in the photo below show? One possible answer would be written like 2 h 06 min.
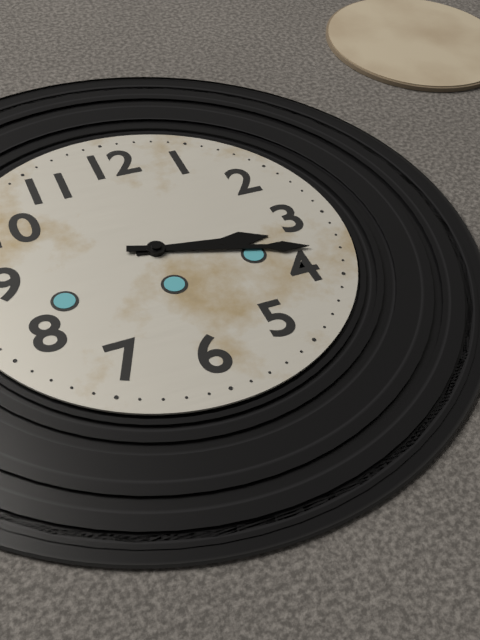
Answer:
3 h 18 min
